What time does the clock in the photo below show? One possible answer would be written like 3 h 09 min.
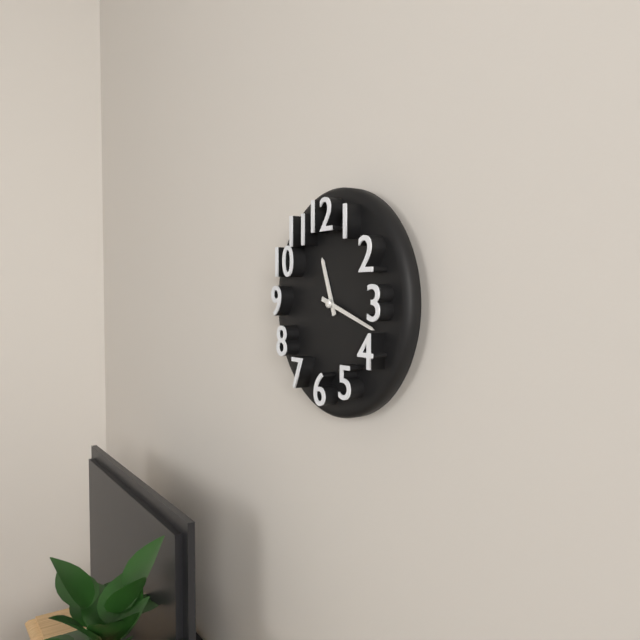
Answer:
11 h 18 min
